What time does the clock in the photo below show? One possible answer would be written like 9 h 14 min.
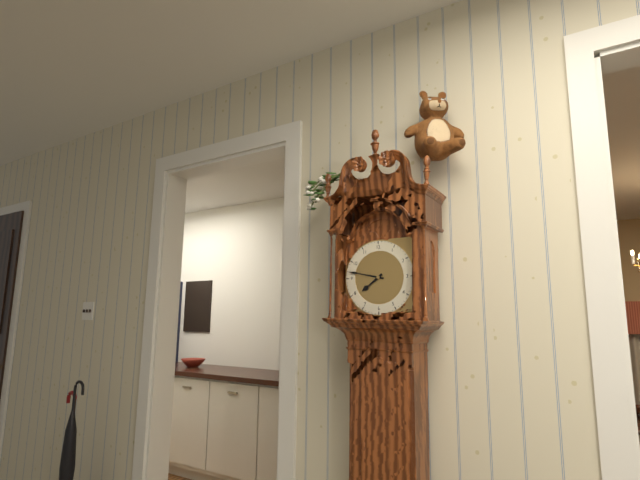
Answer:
7 h 47 min
